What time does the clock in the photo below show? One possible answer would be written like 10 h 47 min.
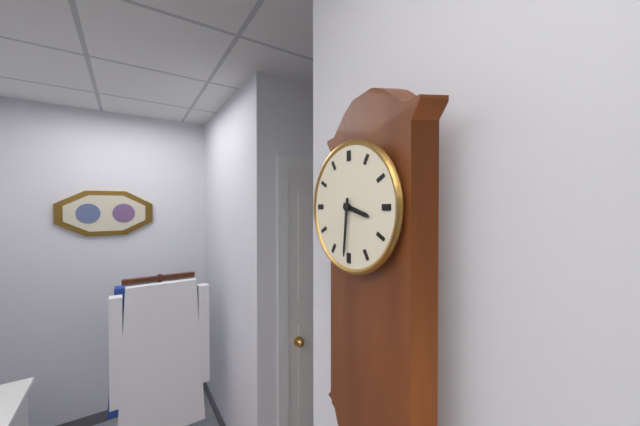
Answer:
3 h 31 min
